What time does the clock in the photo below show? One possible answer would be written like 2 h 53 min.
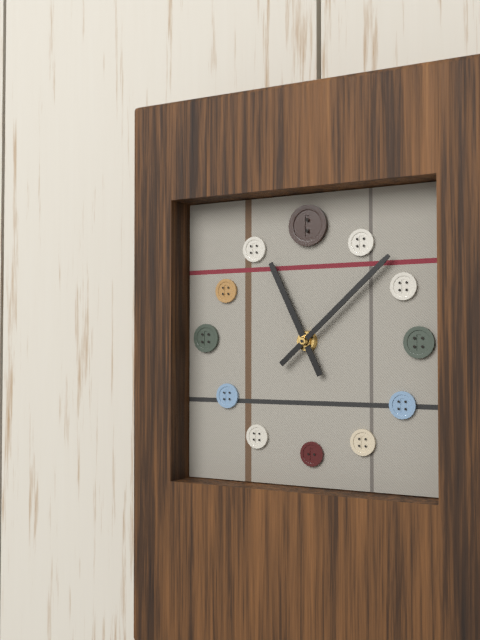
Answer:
11 h 08 min
